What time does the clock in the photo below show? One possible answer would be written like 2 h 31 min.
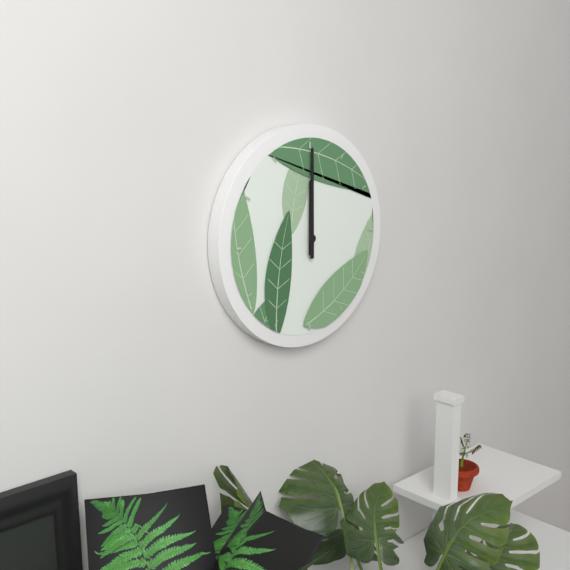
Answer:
12 h 00 min
